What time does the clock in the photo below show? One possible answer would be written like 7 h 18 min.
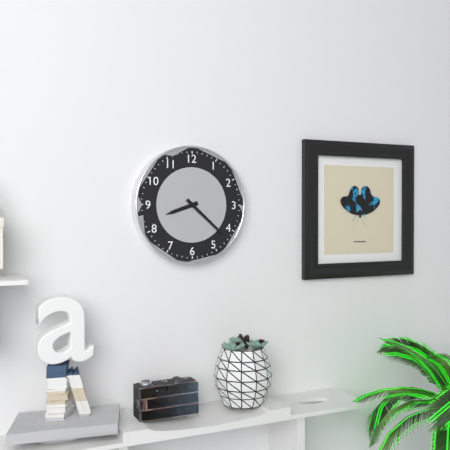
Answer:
8 h 22 min
